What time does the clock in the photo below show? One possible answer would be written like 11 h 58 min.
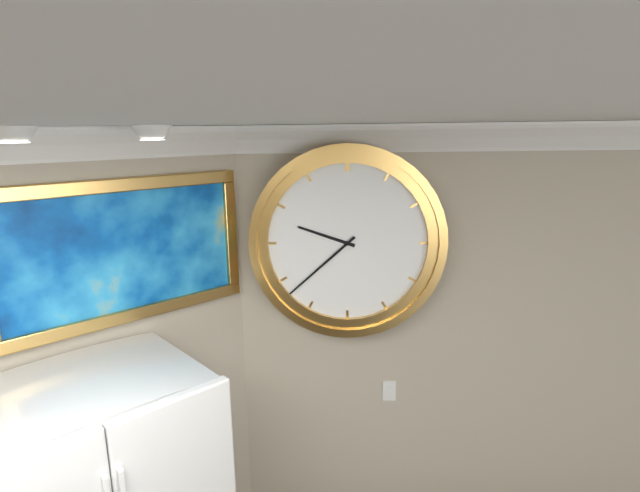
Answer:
9 h 38 min
